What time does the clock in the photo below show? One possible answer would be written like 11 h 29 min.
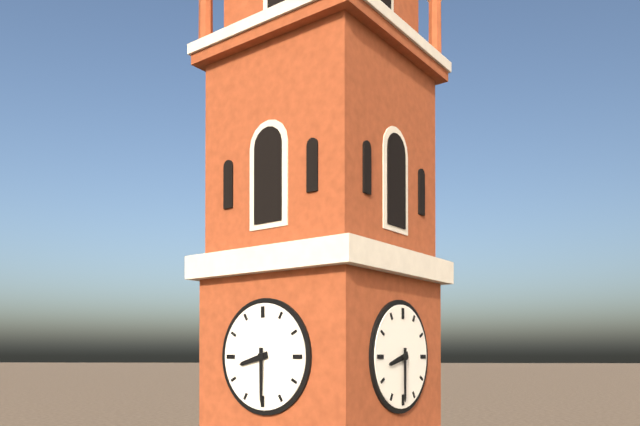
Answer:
8 h 30 min
